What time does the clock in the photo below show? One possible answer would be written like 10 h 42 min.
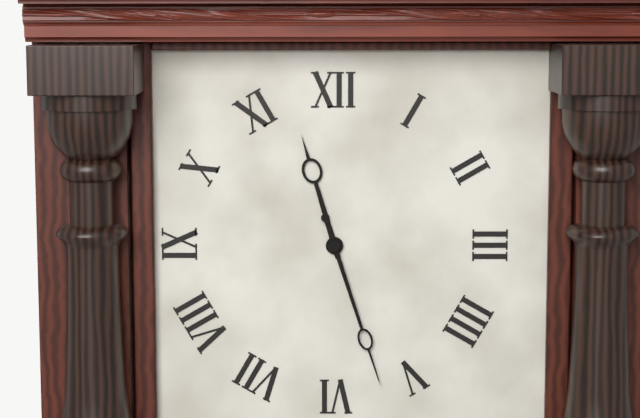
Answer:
11 h 27 min
